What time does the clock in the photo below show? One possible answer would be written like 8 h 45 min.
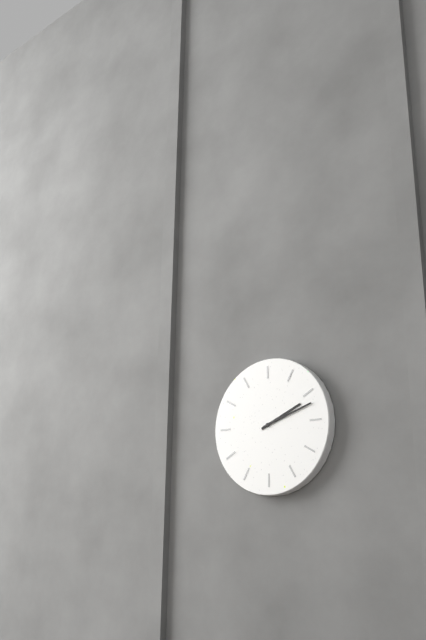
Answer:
2 h 12 min
